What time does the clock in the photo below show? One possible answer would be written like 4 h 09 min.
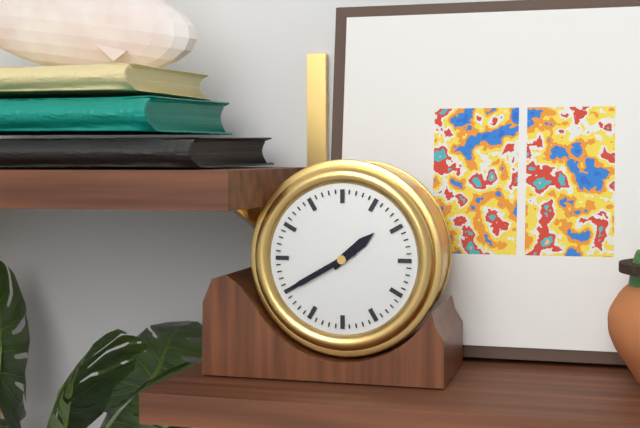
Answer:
1 h 40 min
